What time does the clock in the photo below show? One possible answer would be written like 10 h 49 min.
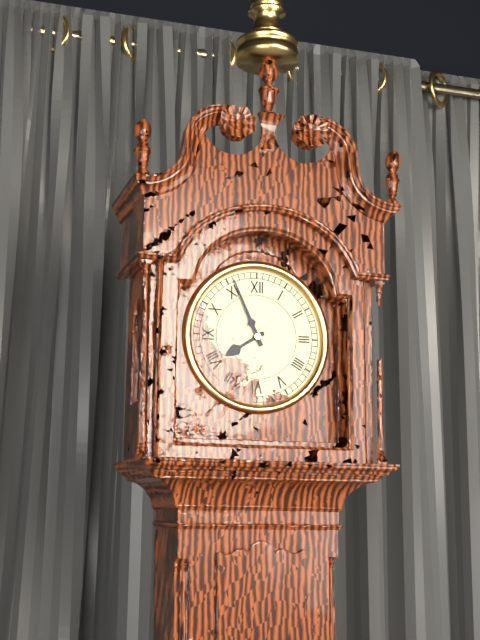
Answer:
7 h 56 min
